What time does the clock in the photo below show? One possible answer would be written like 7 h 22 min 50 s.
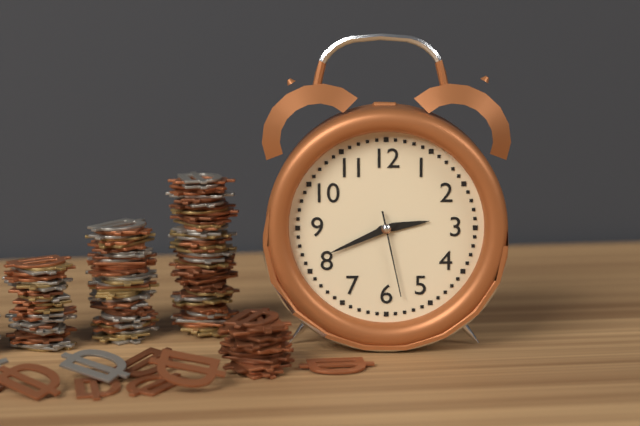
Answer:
2 h 41 min 28 s
